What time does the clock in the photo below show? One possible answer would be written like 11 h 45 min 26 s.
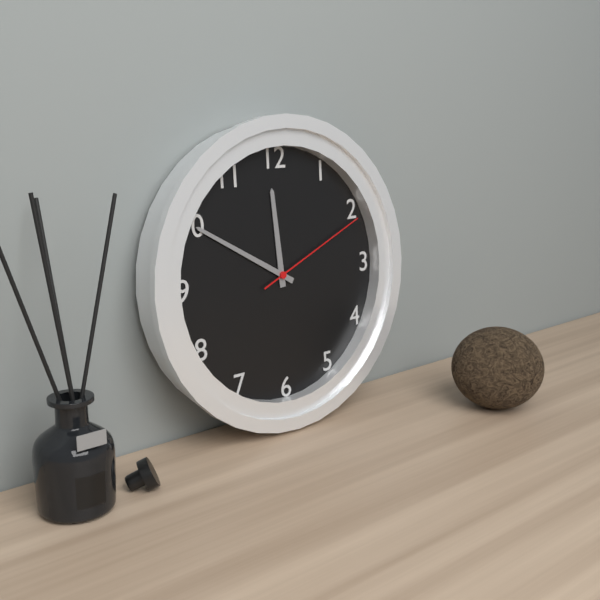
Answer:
11 h 50 min 11 s
